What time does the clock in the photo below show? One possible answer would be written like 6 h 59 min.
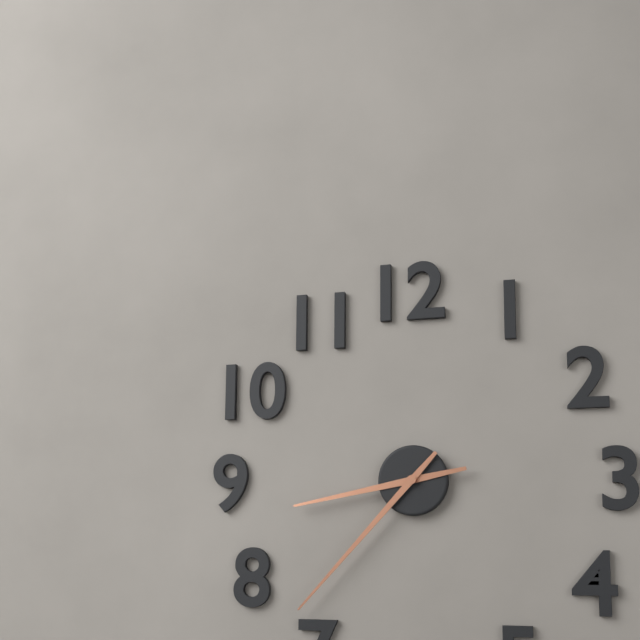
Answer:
8 h 37 min
